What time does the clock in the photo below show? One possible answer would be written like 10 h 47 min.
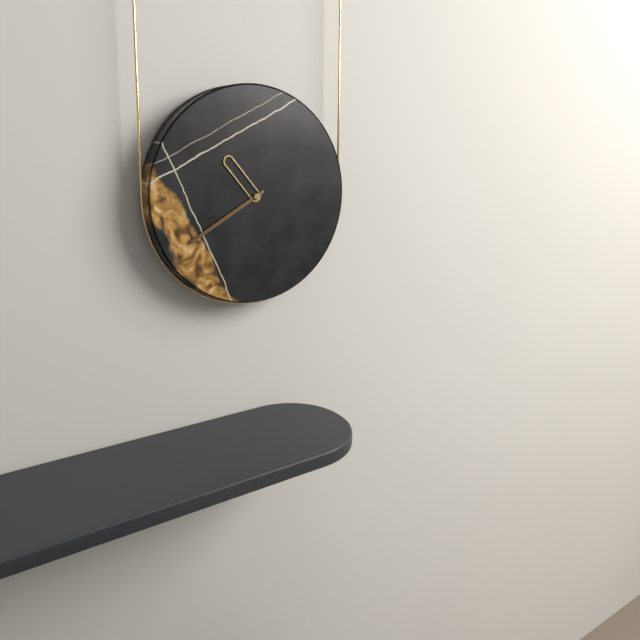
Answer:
10 h 40 min
